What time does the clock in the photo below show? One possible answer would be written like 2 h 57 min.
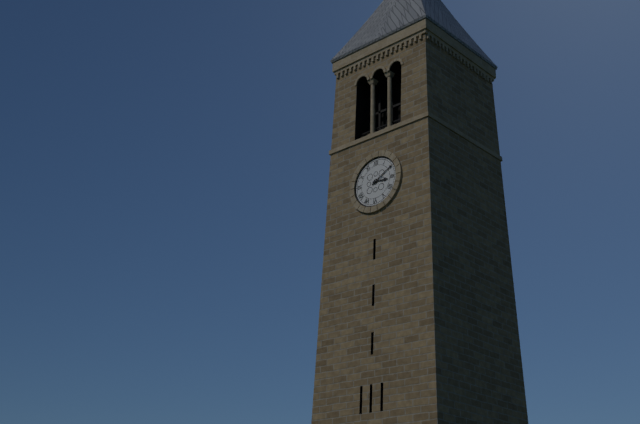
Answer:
3 h 10 min
